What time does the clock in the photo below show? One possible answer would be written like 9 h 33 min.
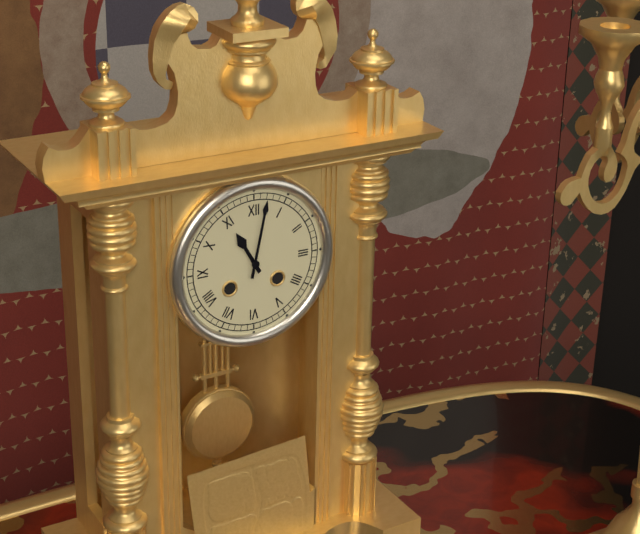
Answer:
11 h 02 min
